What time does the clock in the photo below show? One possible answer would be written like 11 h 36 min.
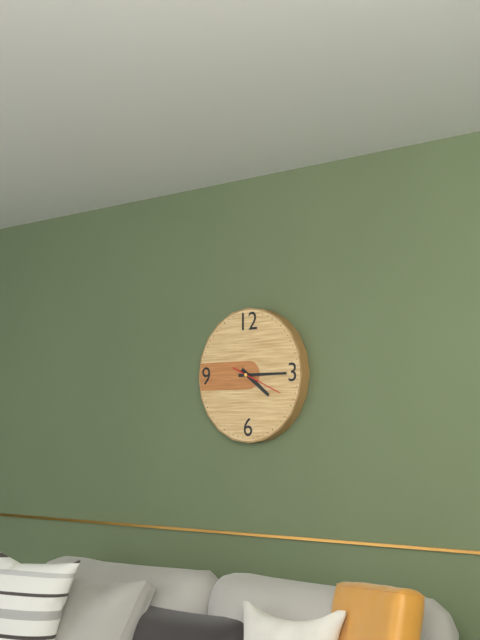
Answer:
4 h 15 min
